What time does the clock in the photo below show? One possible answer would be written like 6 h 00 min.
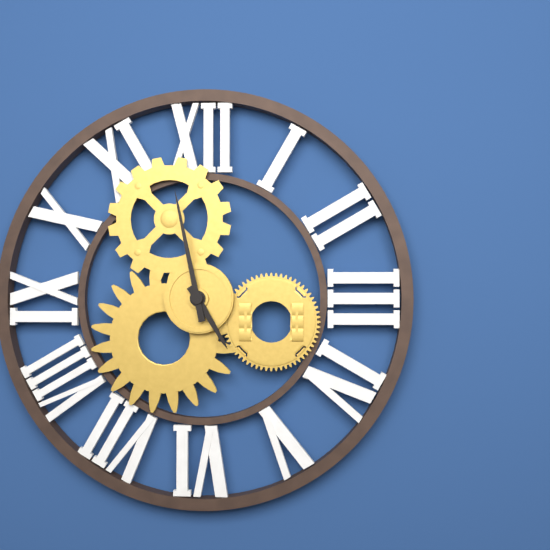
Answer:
4 h 58 min
